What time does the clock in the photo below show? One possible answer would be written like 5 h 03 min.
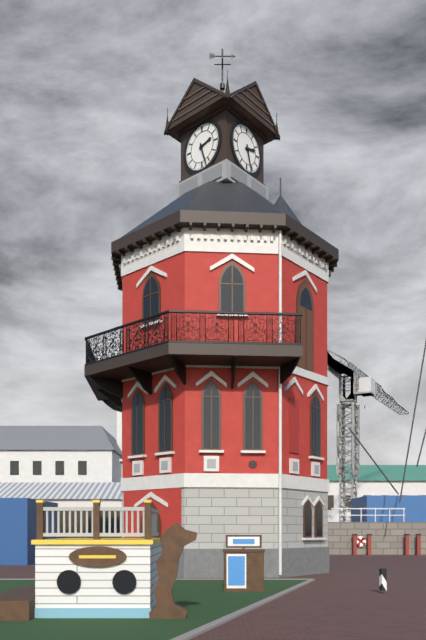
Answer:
2 h 27 min
